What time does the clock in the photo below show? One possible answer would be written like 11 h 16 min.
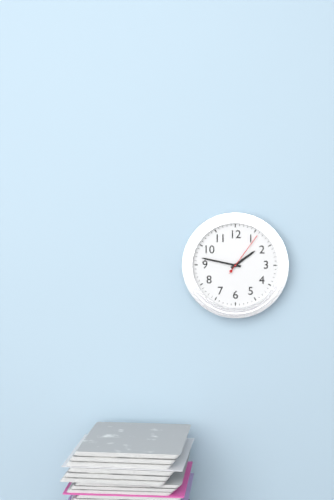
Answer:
1 h 47 min
